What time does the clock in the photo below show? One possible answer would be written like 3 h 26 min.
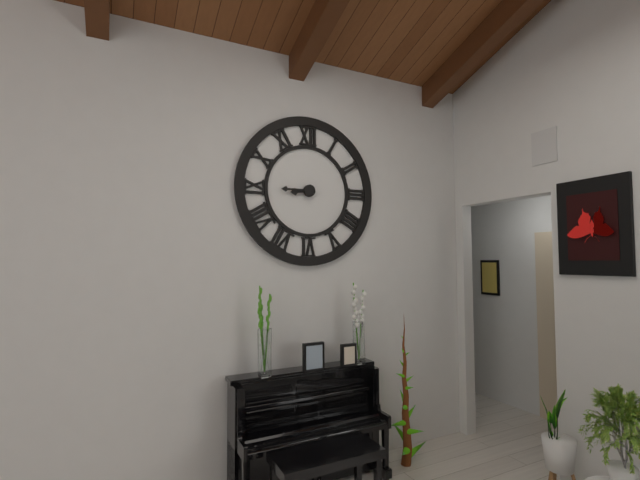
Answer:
8 h 45 min
